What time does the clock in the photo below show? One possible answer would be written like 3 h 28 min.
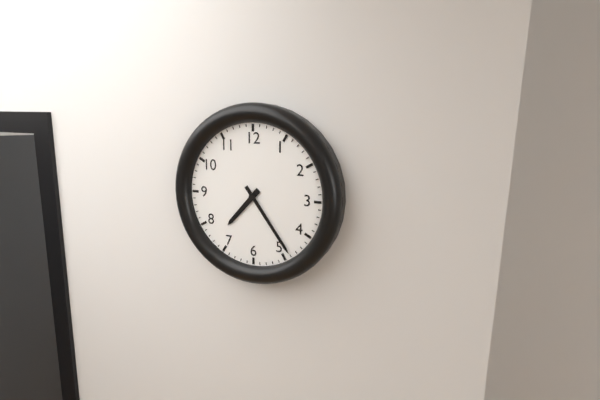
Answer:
7 h 24 min
